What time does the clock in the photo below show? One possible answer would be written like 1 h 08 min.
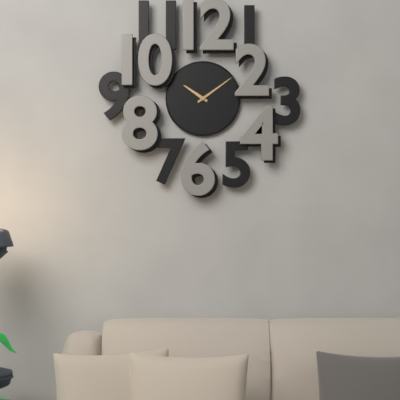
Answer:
10 h 09 min
